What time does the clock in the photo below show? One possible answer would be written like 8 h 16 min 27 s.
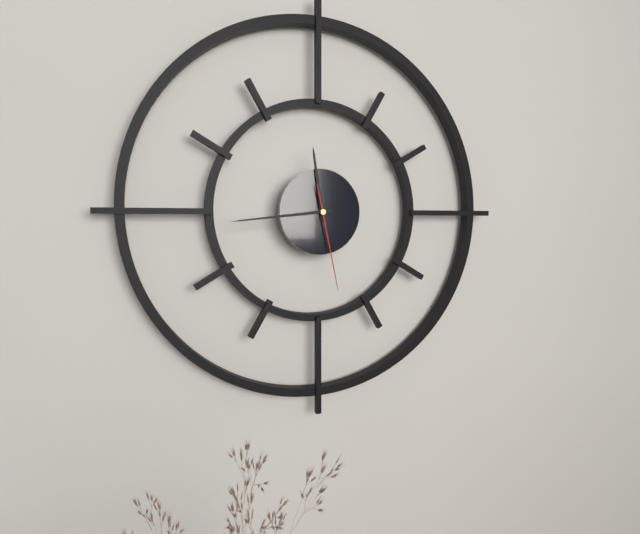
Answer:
11 h 44 min 28 s
